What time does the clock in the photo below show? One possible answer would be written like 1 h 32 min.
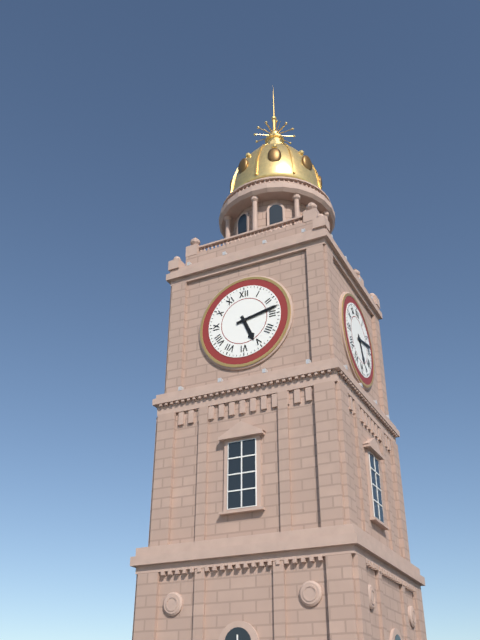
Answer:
5 h 13 min
